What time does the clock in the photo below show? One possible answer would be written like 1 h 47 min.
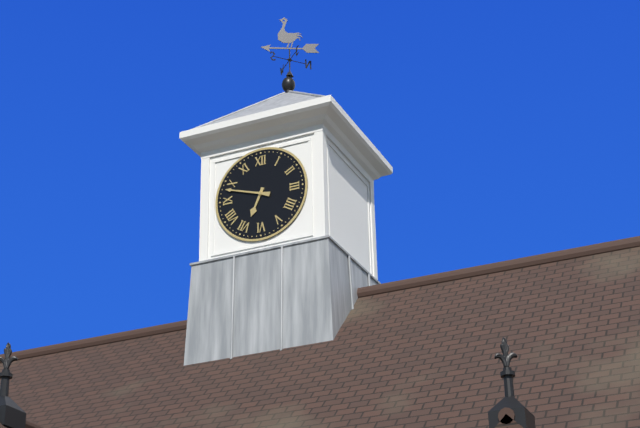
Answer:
6 h 48 min
